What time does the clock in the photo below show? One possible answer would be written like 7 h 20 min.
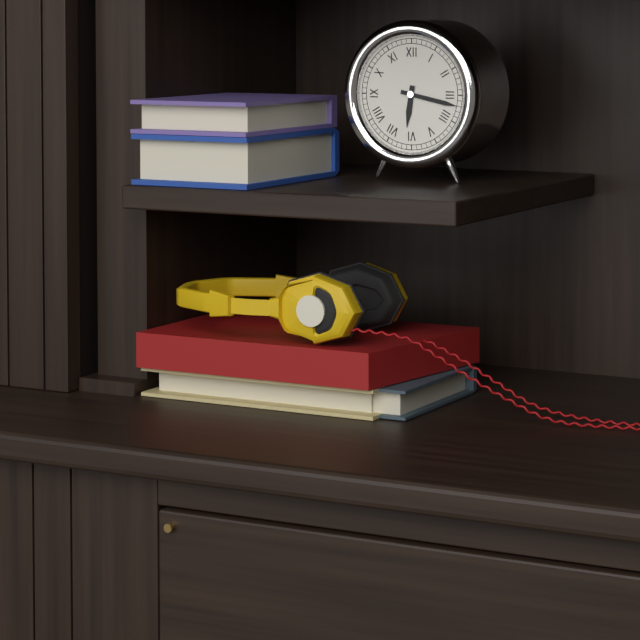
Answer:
6 h 17 min
